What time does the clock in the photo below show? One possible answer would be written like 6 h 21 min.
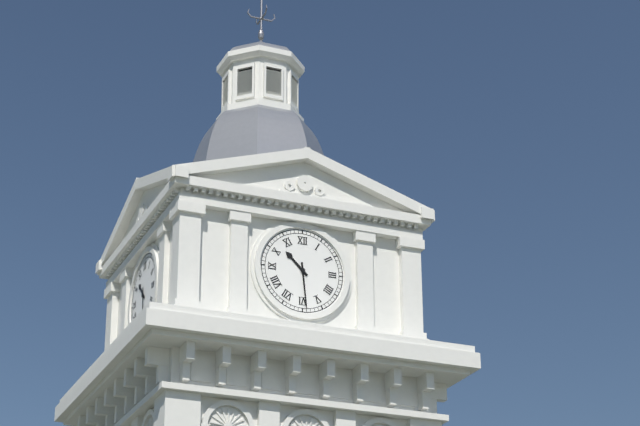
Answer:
10 h 29 min
